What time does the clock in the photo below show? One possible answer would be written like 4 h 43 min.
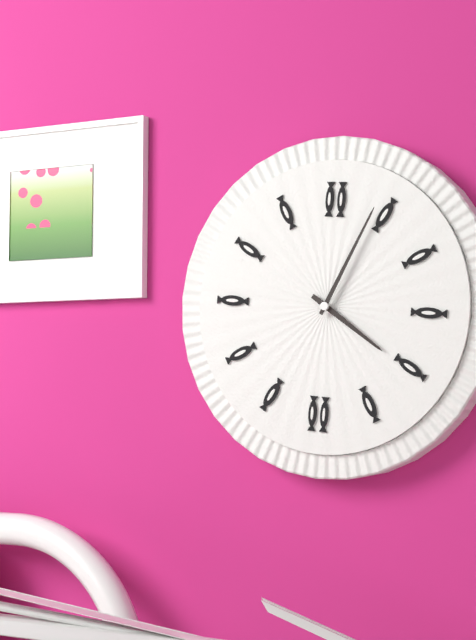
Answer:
4 h 04 min
